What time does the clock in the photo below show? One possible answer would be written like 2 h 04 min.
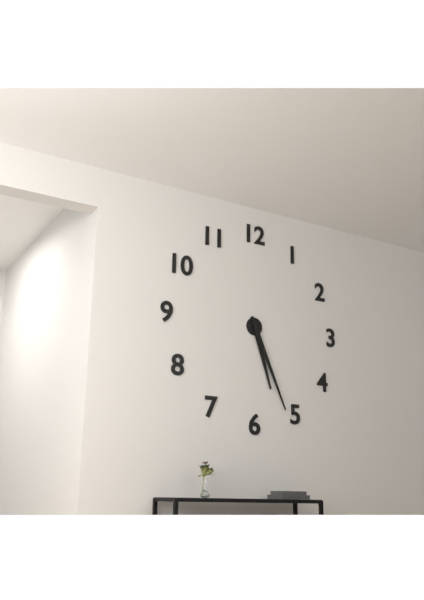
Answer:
5 h 26 min
